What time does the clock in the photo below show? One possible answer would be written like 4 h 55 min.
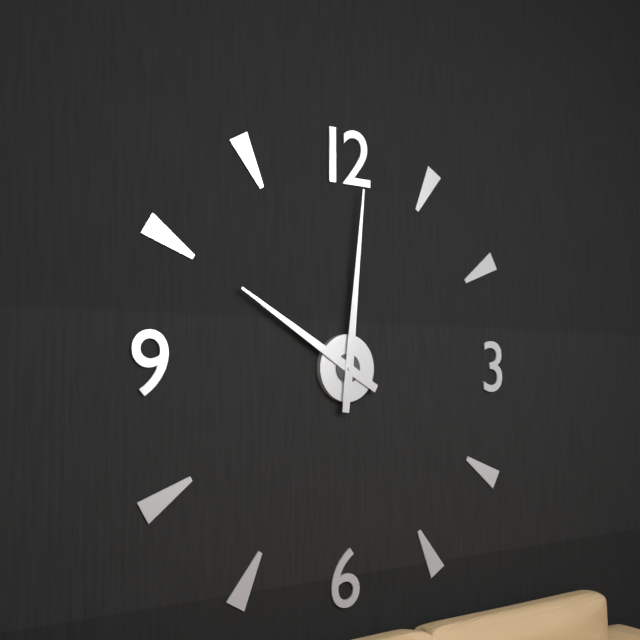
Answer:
10 h 01 min
